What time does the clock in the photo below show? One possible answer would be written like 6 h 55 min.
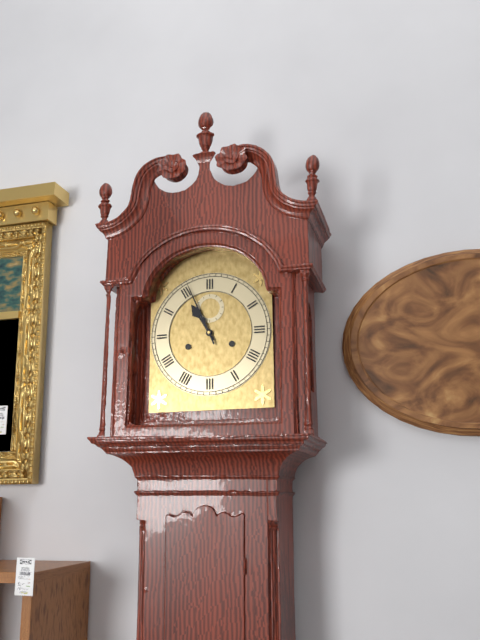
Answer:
10 h 56 min
